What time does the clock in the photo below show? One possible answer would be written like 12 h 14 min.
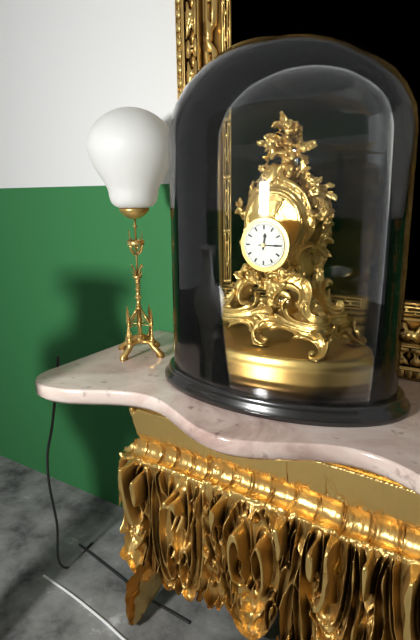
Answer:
12 h 15 min
